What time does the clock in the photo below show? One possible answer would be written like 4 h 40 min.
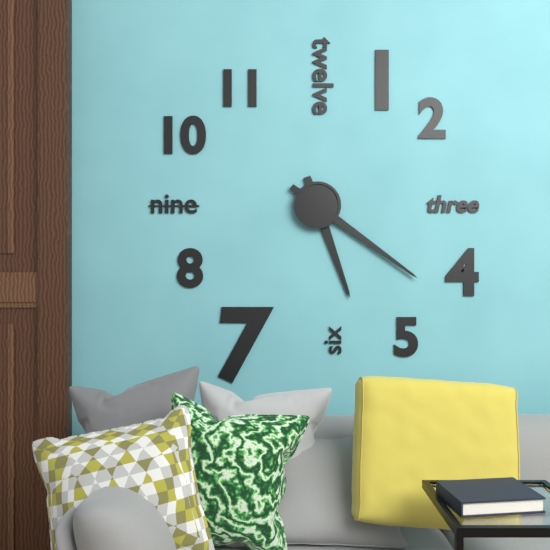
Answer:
5 h 21 min
